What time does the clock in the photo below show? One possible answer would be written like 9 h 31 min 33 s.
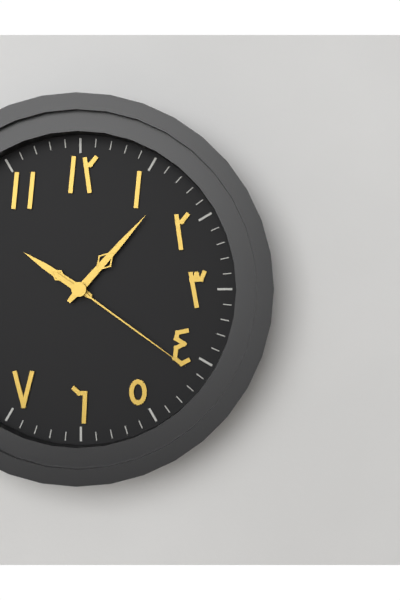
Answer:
10 h 07 min 21 s
